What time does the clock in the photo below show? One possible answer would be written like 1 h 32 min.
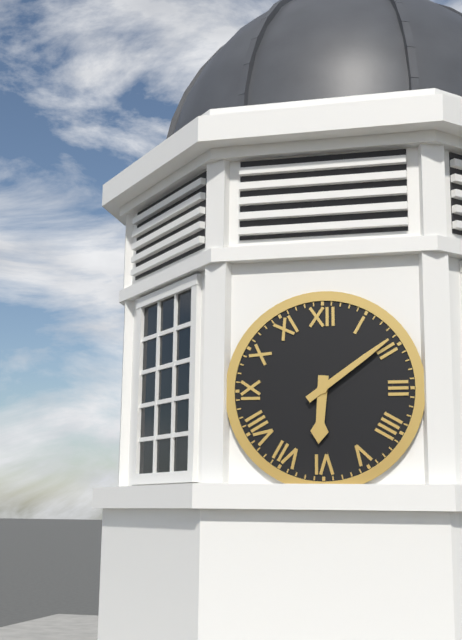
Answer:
6 h 09 min
